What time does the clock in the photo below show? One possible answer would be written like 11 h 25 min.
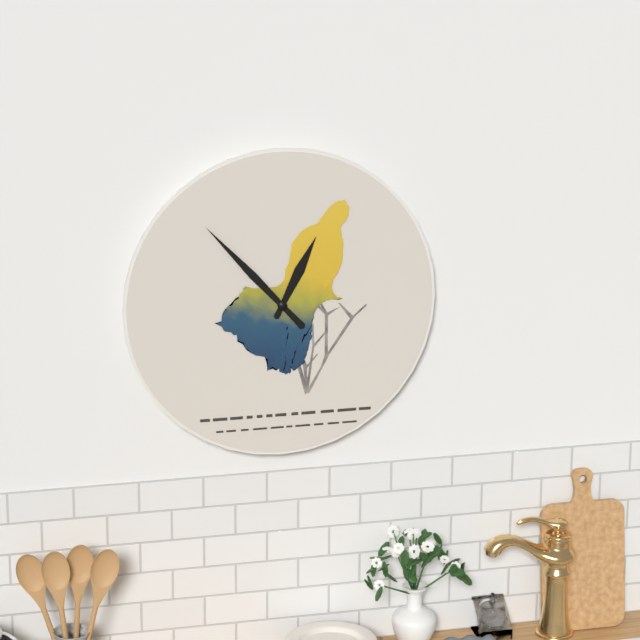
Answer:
12 h 53 min
